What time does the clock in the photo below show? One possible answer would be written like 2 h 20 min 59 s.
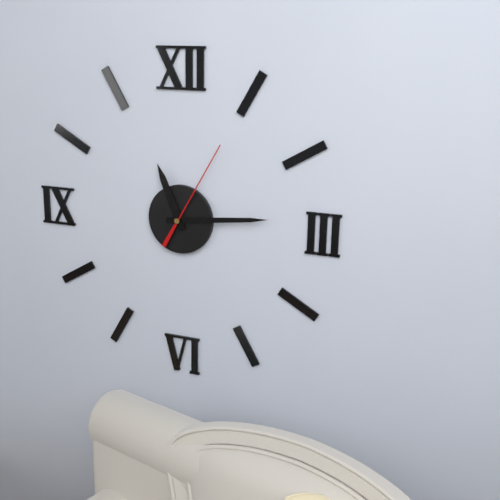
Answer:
11 h 14 min 05 s
